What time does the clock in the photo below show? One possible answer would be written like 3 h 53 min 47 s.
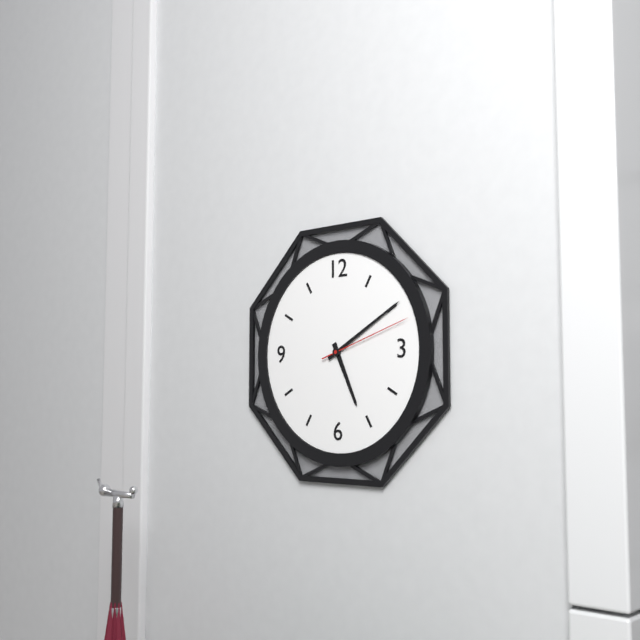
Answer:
5 h 10 min 12 s
